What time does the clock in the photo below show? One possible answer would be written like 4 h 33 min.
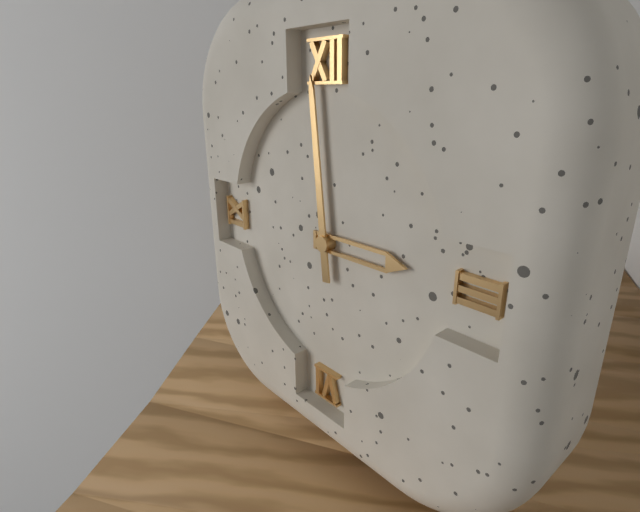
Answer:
2 h 59 min
